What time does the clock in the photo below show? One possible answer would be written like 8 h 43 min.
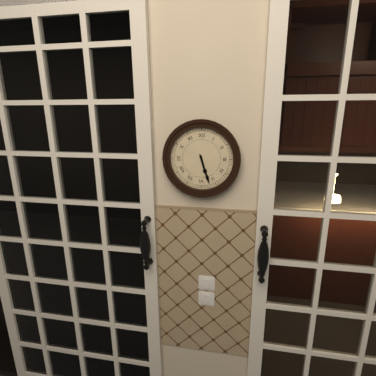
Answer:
5 h 27 min
